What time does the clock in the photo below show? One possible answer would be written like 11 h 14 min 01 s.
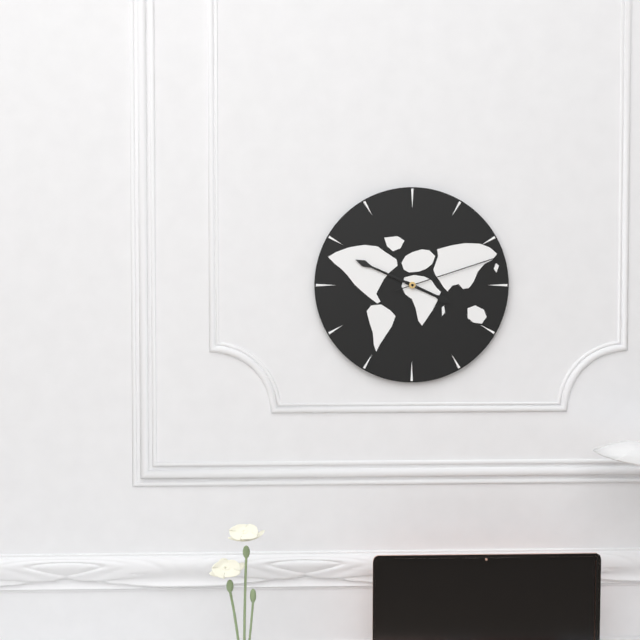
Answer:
3 h 49 min 12 s
